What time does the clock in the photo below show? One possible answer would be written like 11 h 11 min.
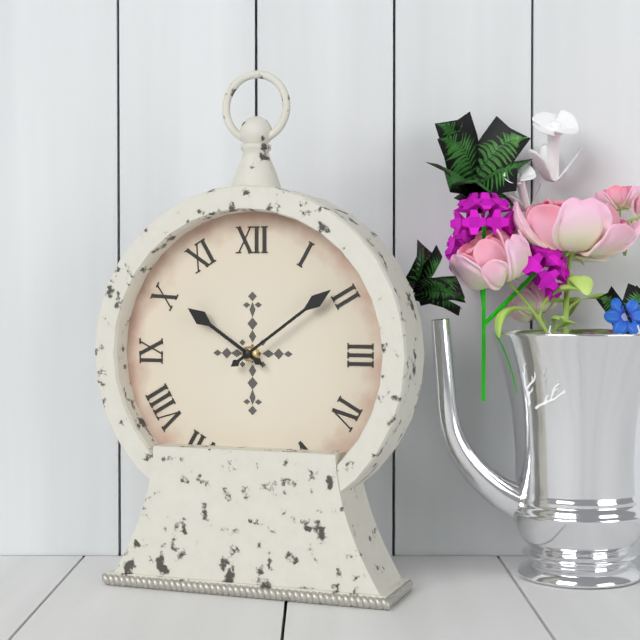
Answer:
10 h 09 min
